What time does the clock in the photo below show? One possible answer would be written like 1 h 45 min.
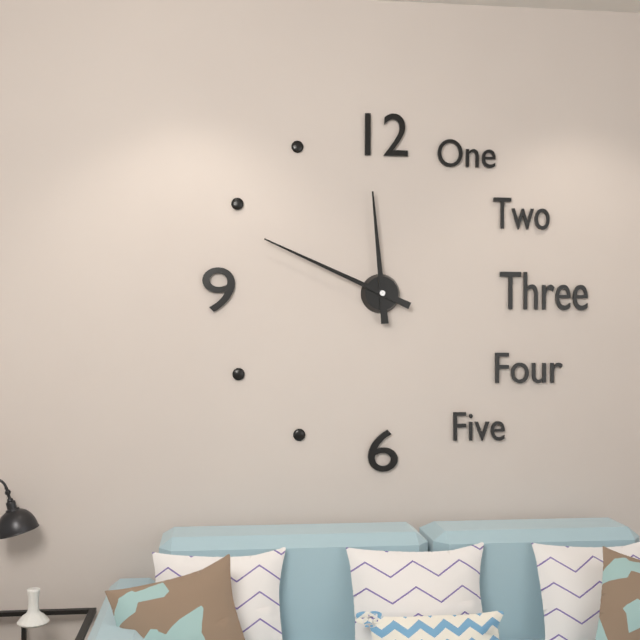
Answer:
11 h 49 min
